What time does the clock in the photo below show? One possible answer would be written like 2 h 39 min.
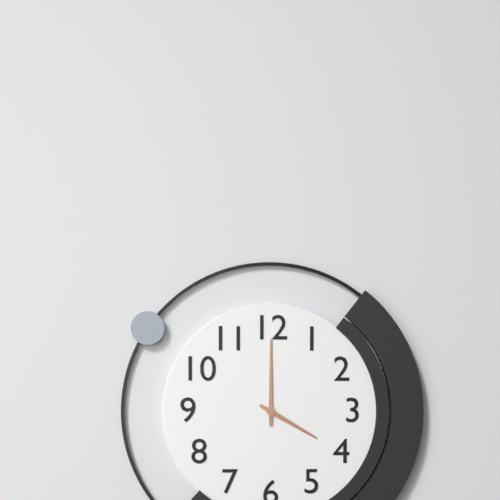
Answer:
4 h 00 min
